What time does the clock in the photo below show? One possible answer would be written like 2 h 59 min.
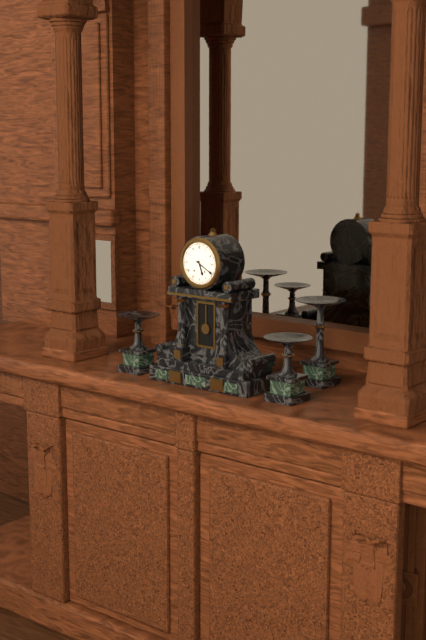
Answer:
5 h 20 min
